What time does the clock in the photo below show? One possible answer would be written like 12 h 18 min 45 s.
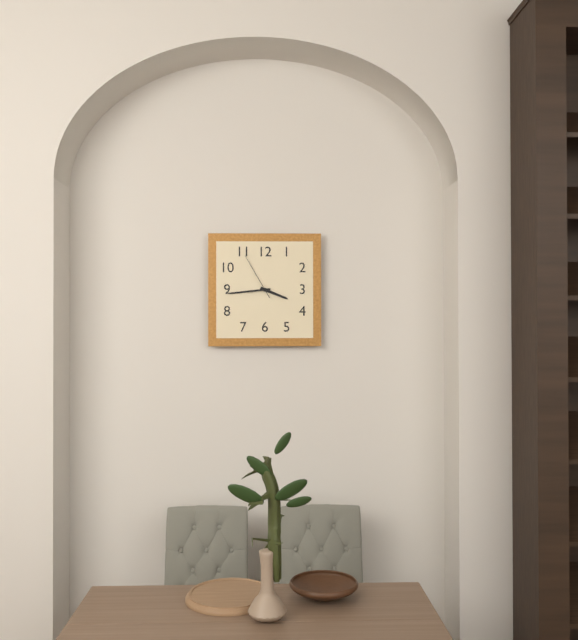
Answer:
3 h 44 min 55 s
